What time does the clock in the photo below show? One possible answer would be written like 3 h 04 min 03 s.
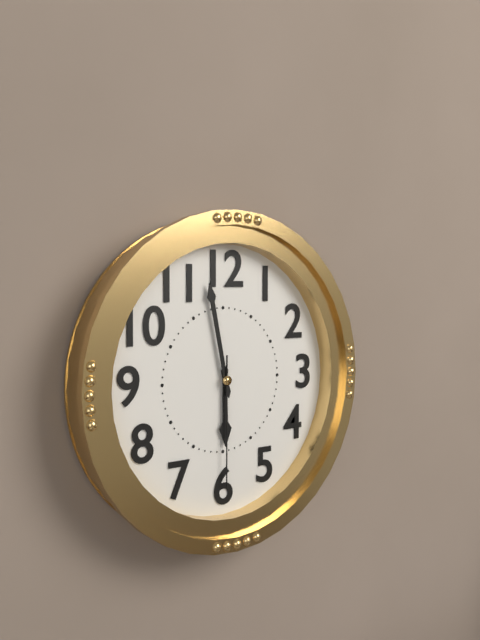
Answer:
5 h 58 min 30 s
